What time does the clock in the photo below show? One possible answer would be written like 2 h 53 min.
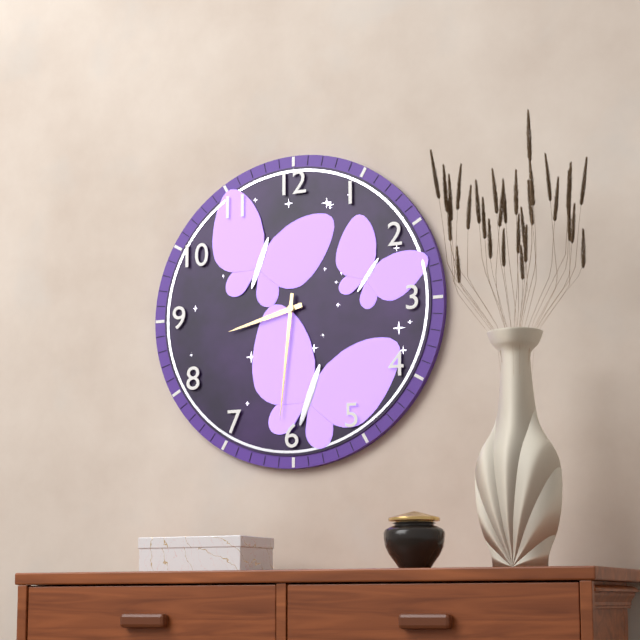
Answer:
8 h 31 min
